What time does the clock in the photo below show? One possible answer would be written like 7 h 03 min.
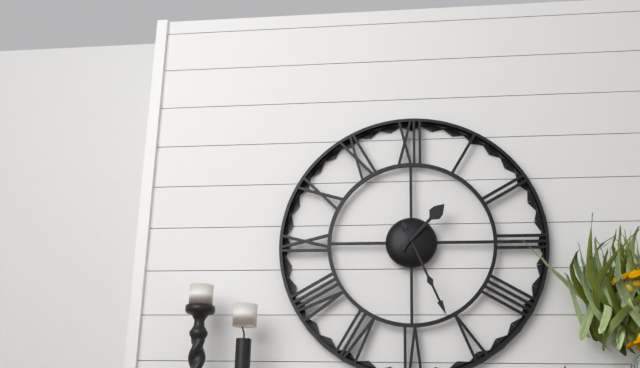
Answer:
1 h 26 min
